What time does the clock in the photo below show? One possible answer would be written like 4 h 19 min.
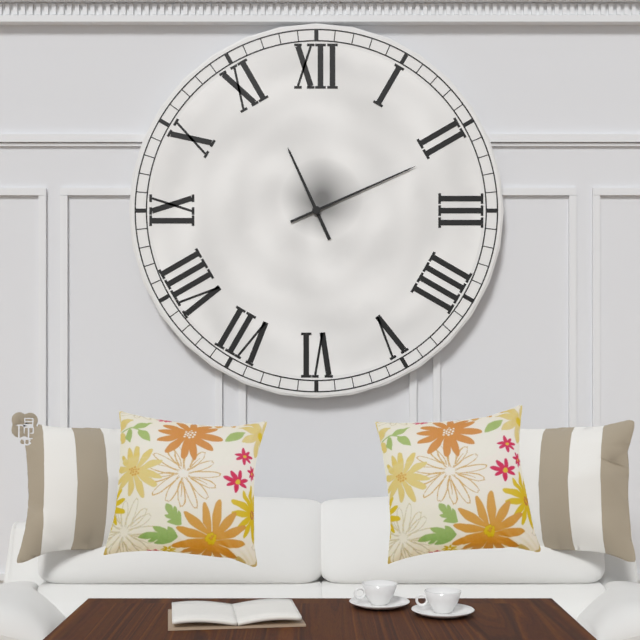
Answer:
11 h 11 min
